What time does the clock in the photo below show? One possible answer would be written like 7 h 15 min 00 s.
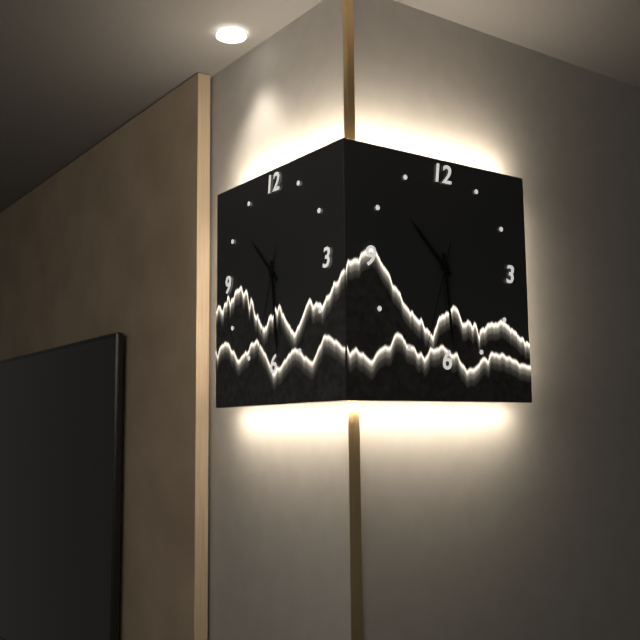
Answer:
10 h 29 min 33 s
